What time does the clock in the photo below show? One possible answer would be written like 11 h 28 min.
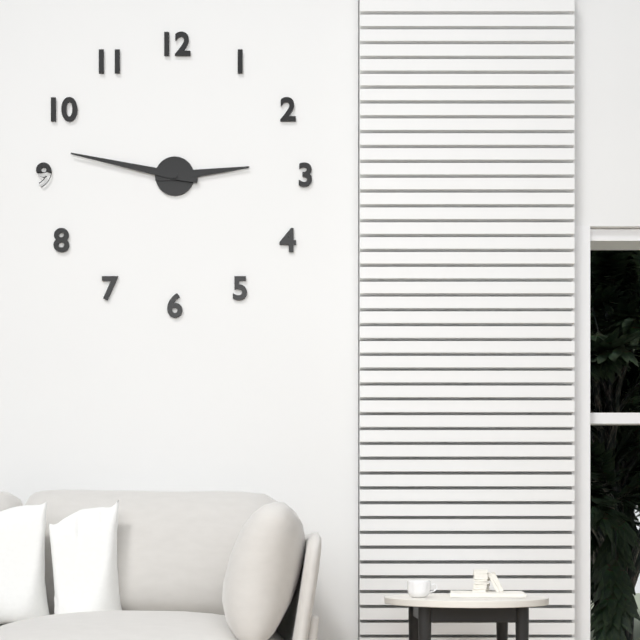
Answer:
2 h 47 min
